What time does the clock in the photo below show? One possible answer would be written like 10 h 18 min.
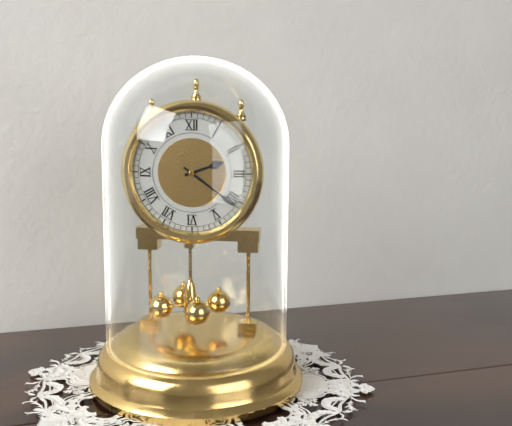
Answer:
2 h 21 min
